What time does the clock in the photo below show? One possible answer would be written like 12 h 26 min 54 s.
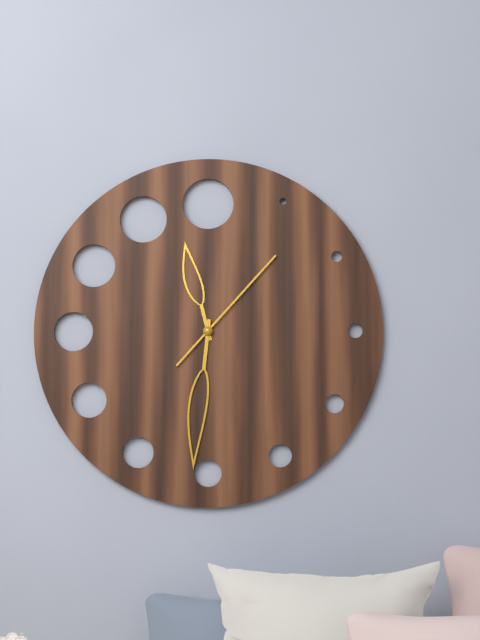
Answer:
11 h 31 min 07 s
